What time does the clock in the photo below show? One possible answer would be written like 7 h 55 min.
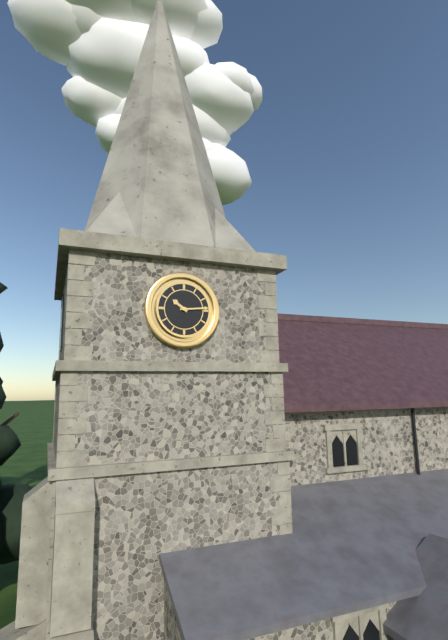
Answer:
10 h 14 min
